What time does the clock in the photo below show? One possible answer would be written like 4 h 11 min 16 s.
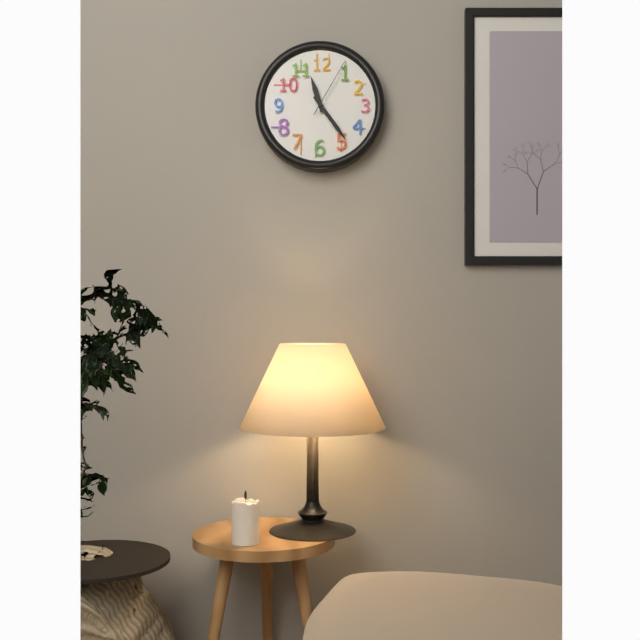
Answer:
11 h 24 min 05 s
